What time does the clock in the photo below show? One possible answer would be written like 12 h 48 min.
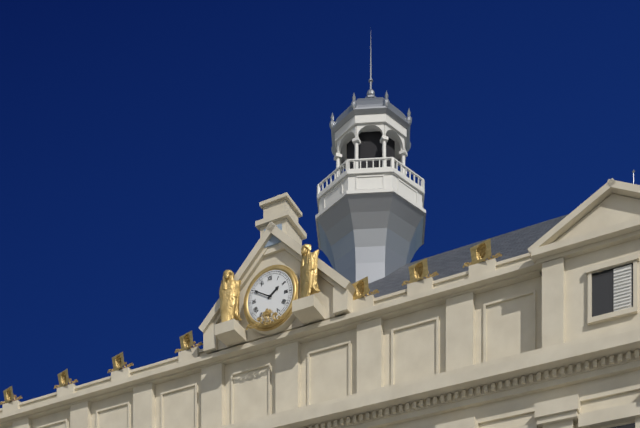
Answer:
1 h 50 min
